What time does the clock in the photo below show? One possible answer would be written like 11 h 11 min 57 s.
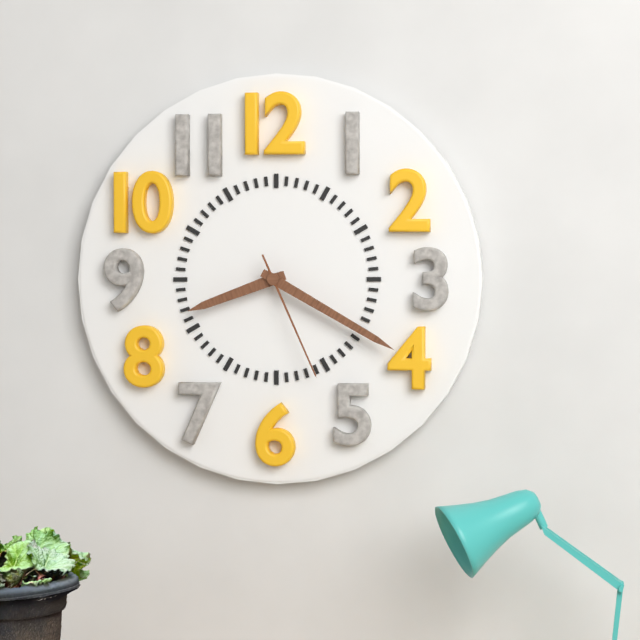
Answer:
8 h 20 min 26 s
